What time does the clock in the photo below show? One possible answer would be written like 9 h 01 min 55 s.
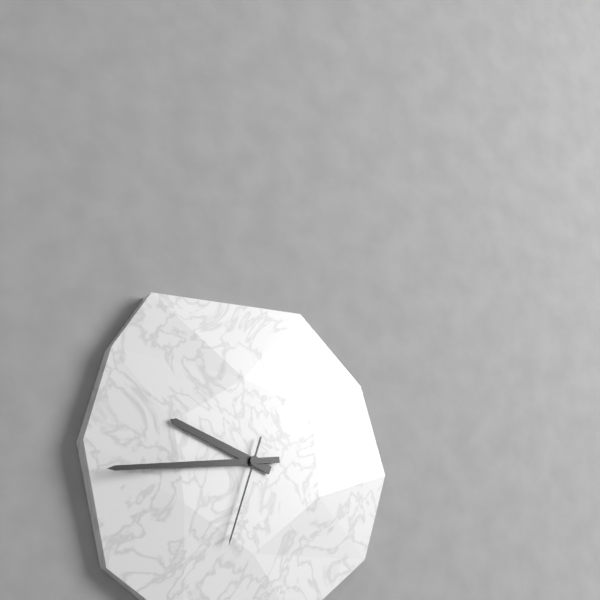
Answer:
9 h 44 min 33 s
